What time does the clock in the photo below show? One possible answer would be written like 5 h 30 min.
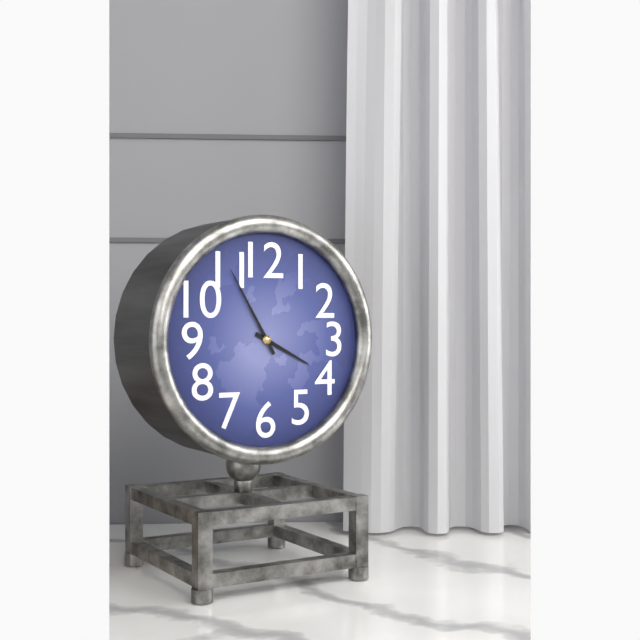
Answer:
3 h 55 min
